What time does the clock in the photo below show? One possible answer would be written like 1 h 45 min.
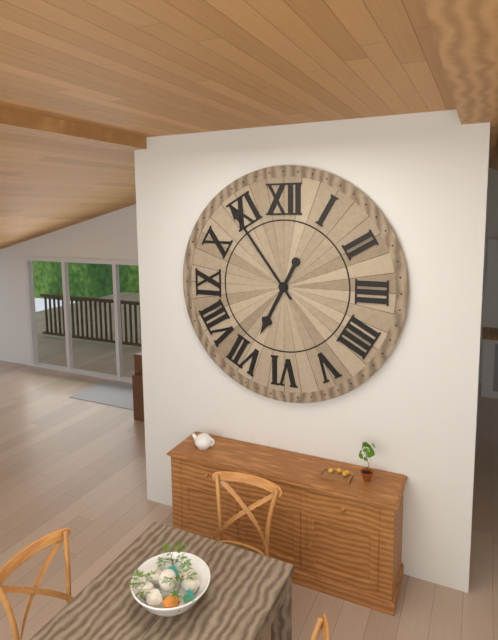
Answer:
6 h 54 min
